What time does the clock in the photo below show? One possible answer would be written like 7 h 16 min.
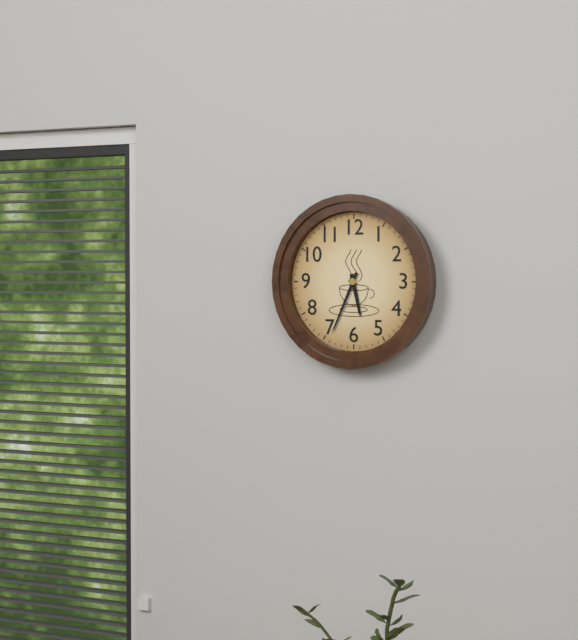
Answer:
5 h 34 min
